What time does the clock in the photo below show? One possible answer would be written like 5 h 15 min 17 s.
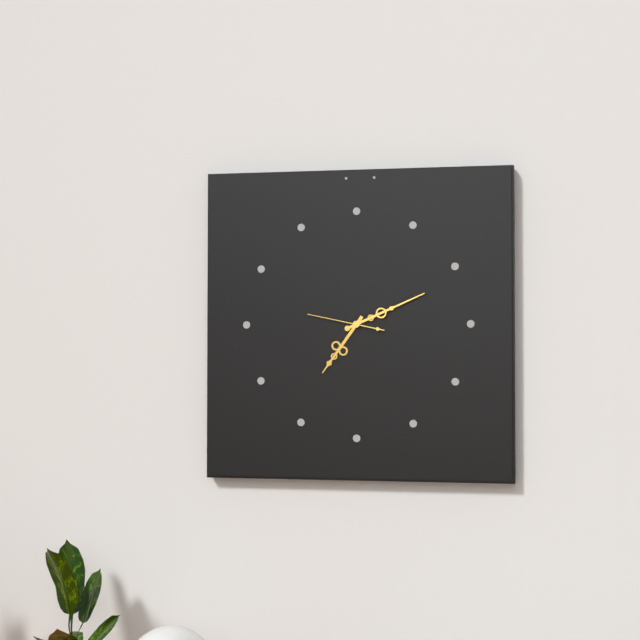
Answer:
7 h 11 min 47 s
